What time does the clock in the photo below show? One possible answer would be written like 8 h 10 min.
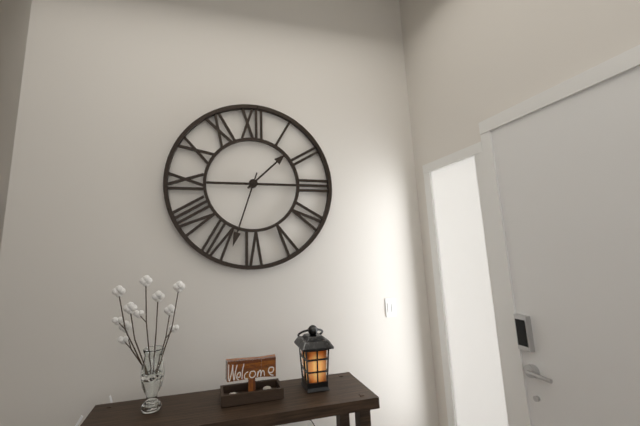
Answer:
1 h 33 min
